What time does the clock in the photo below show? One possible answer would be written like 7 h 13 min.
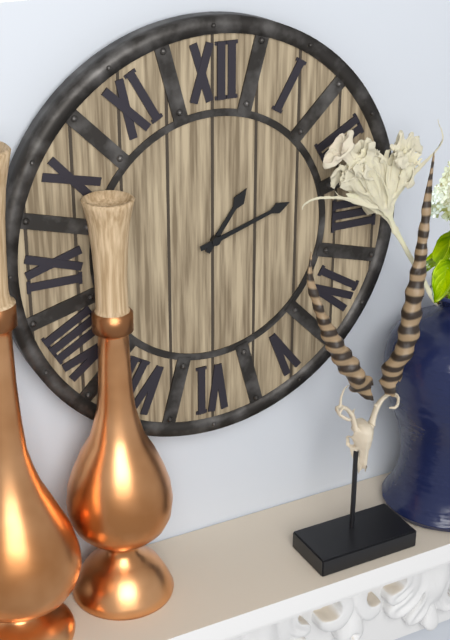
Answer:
1 h 12 min
